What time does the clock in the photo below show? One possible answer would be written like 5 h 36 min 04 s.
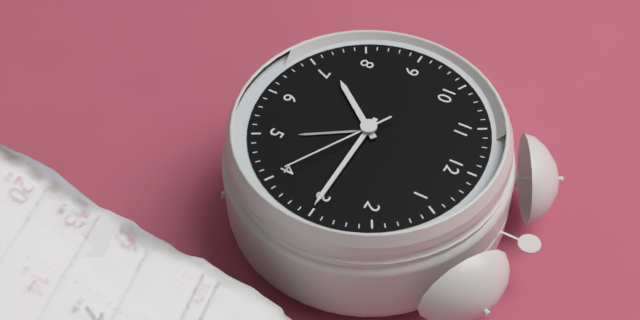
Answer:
7 h 15 min 20 s
